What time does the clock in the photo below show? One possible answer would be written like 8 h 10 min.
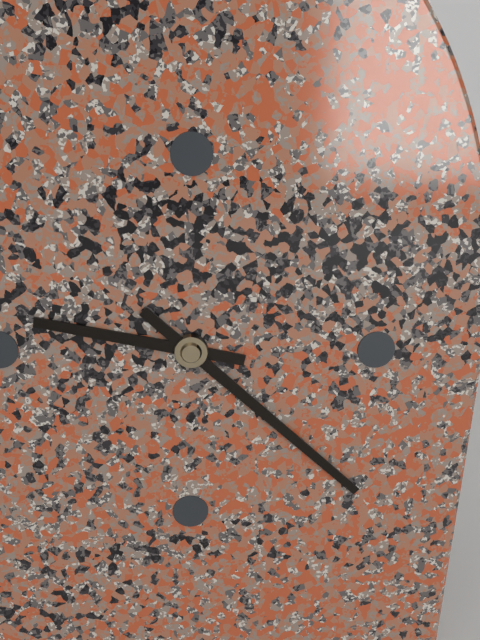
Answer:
9 h 22 min
